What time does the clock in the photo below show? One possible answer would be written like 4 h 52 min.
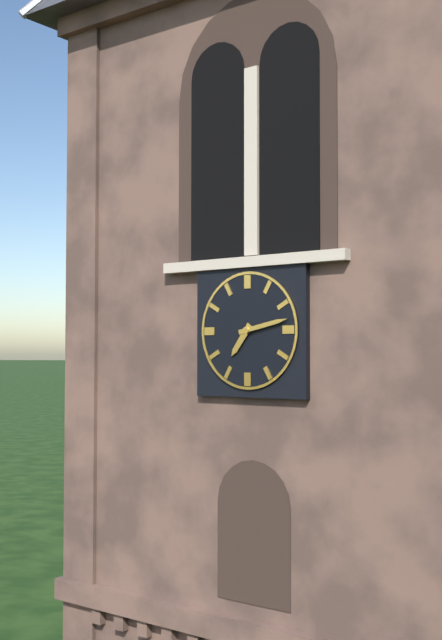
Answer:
7 h 13 min
